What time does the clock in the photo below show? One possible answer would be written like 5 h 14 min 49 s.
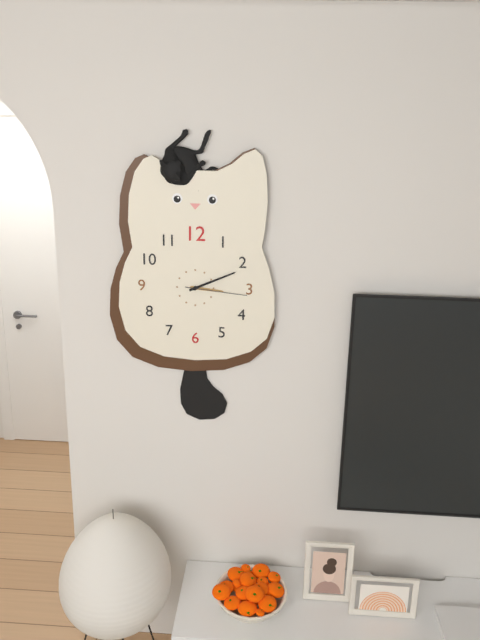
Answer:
3 h 11 min 16 s
